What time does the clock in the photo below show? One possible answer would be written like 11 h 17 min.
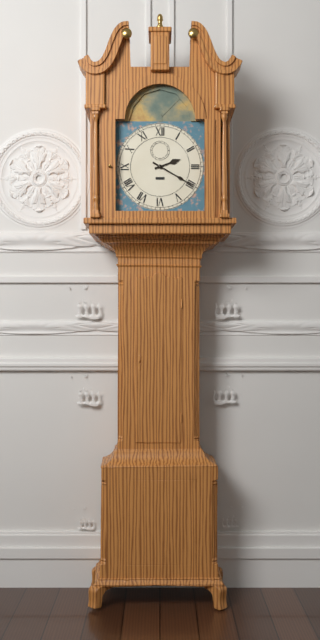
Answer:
2 h 20 min
